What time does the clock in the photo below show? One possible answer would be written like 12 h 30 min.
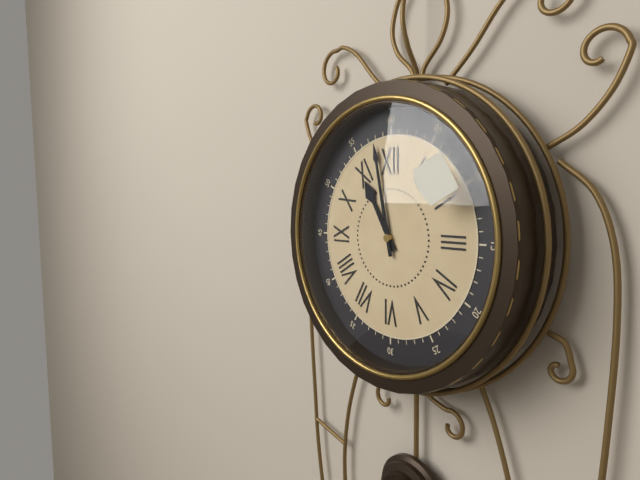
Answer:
10 h 58 min
